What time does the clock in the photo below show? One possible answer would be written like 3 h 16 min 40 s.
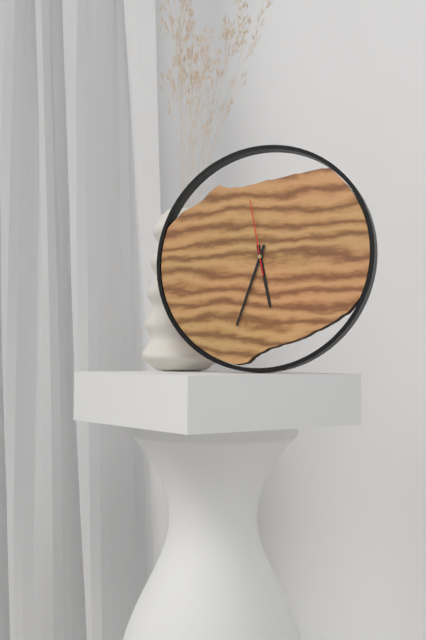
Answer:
5 h 33 min 58 s
